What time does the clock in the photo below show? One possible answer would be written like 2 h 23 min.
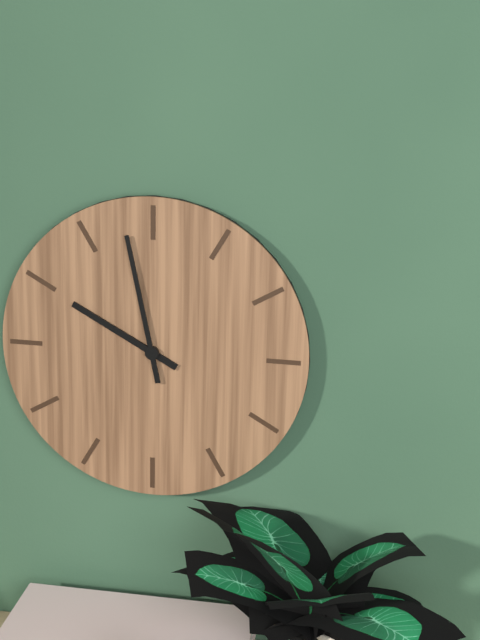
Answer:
9 h 58 min
